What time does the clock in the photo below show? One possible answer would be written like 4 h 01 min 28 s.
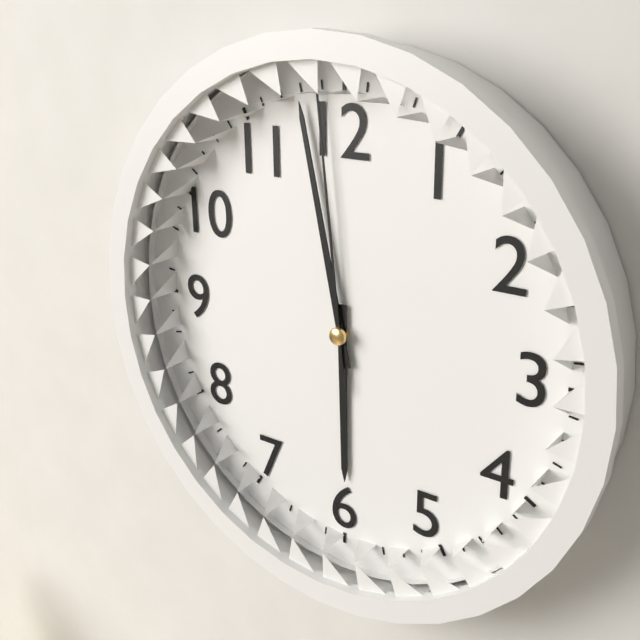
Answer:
5 h 58 min 59 s
